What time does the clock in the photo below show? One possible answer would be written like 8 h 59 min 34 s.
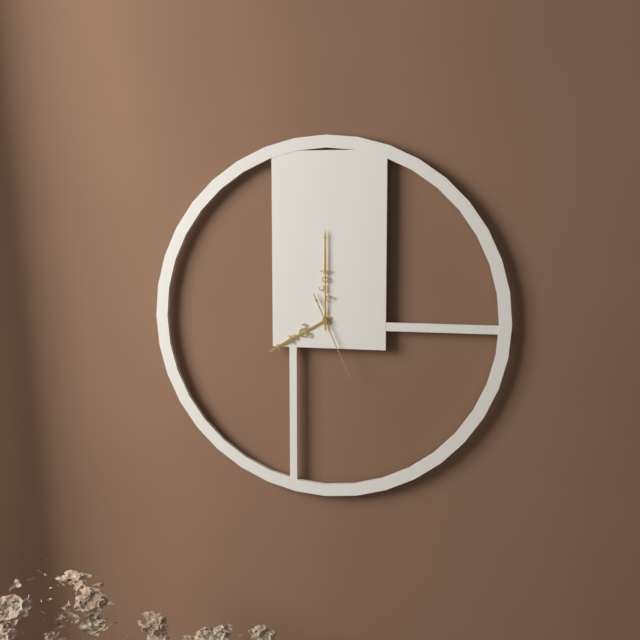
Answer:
8 h 00 min 26 s
